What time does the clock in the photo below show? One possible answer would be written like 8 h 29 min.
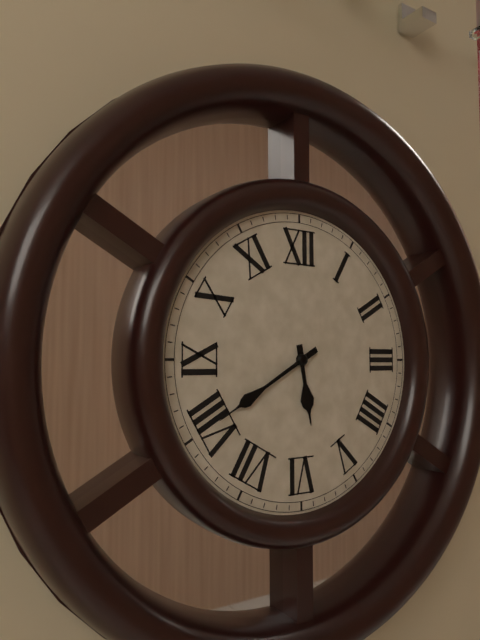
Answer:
5 h 40 min
